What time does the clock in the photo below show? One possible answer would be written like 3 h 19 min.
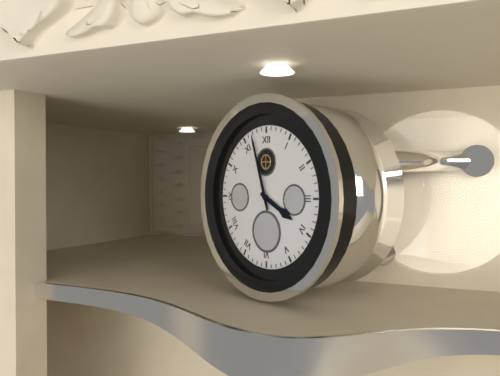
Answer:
3 h 57 min
